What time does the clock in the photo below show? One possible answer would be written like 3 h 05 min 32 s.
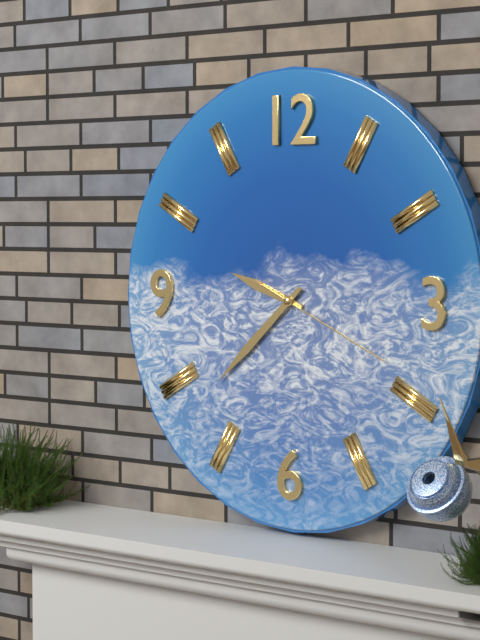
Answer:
9 h 38 min 19 s
